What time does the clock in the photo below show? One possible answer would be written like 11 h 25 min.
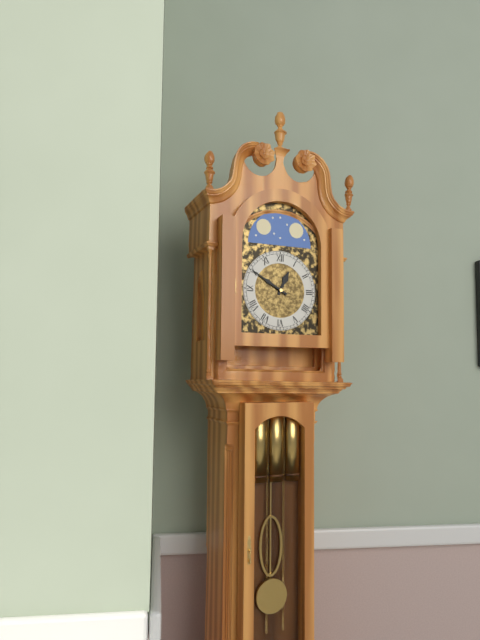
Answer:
12 h 50 min
